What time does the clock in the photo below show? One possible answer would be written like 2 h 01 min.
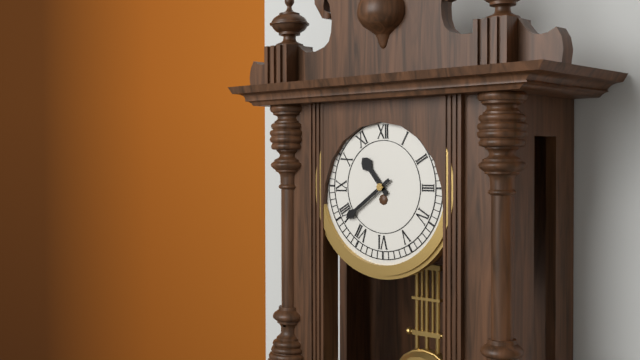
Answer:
10 h 39 min
